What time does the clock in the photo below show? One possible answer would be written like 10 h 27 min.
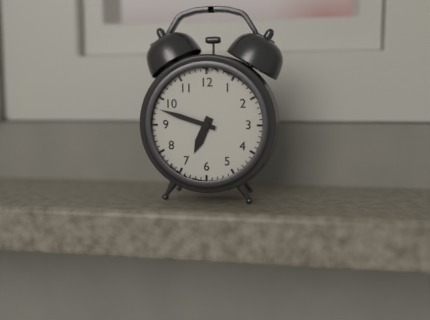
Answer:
6 h 48 min
